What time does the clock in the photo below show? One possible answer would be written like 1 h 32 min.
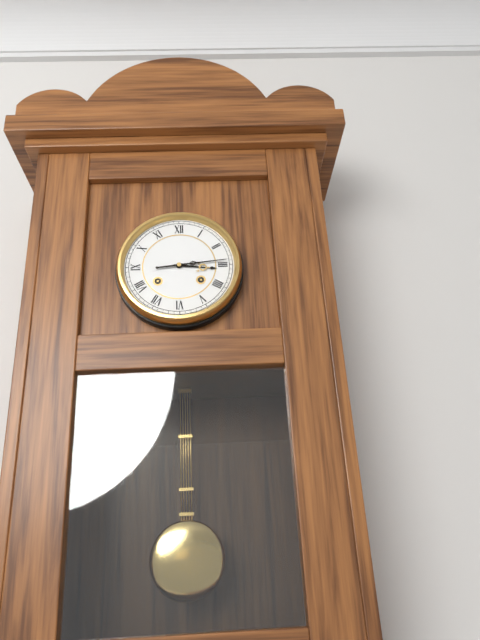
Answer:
3 h 14 min
